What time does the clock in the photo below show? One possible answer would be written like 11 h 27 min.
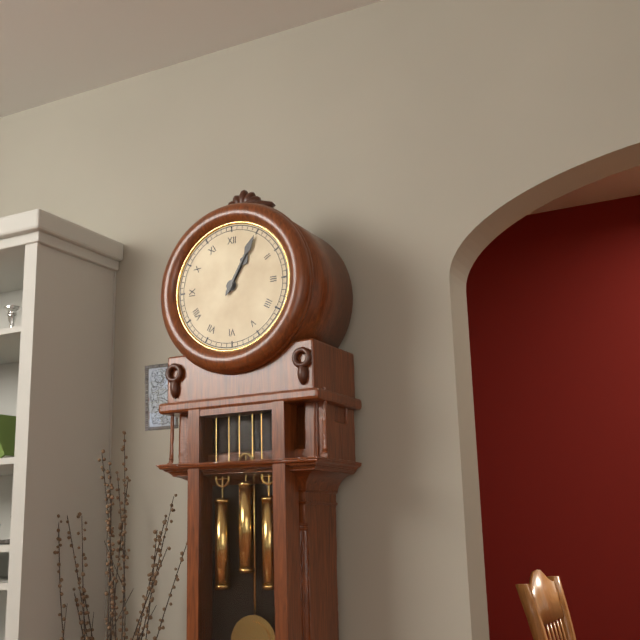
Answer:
1 h 05 min
